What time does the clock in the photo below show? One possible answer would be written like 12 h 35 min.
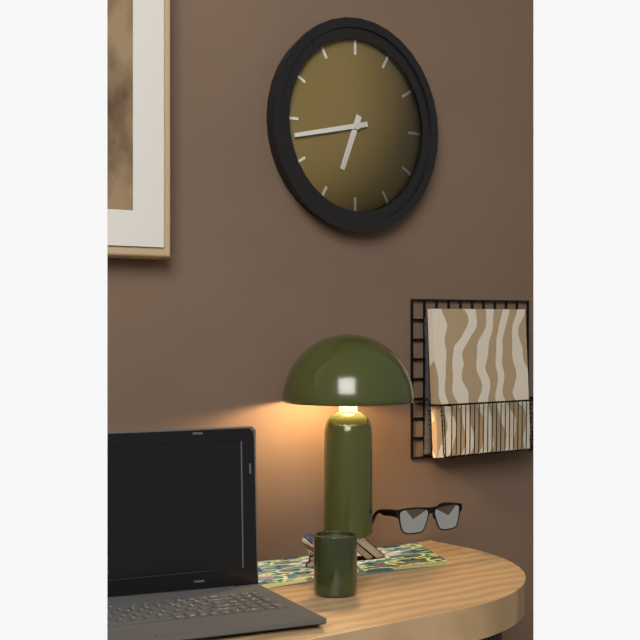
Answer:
6 h 43 min
